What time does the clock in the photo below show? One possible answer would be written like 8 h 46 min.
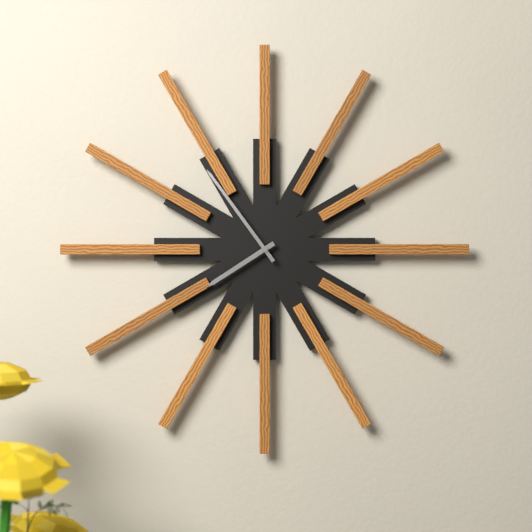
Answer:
7 h 54 min
